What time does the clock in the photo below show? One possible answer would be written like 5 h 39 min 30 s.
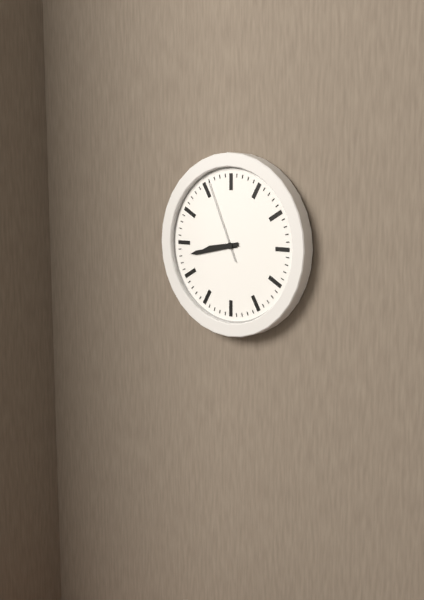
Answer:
8 h 43 min 56 s
